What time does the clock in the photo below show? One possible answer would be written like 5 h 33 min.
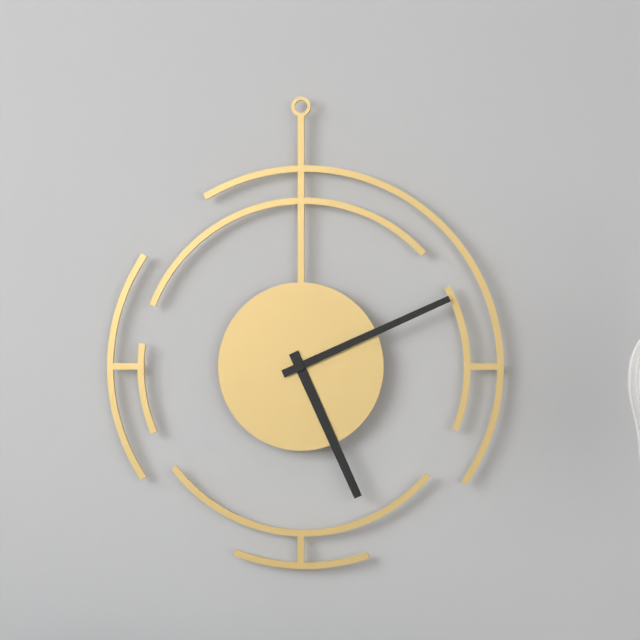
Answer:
5 h 11 min
